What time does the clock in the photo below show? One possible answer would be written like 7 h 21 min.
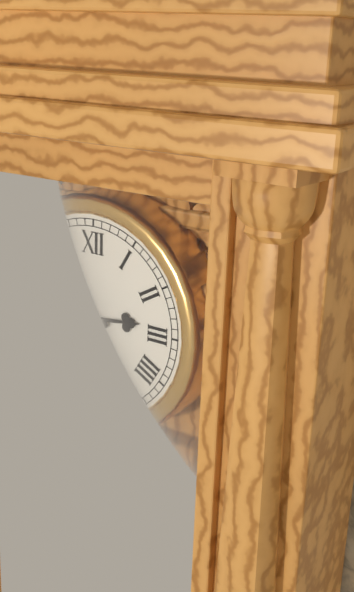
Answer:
2 h 46 min
